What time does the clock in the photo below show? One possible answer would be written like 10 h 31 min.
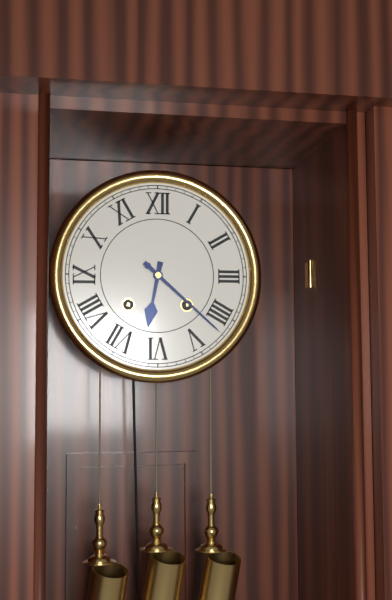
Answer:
6 h 22 min
